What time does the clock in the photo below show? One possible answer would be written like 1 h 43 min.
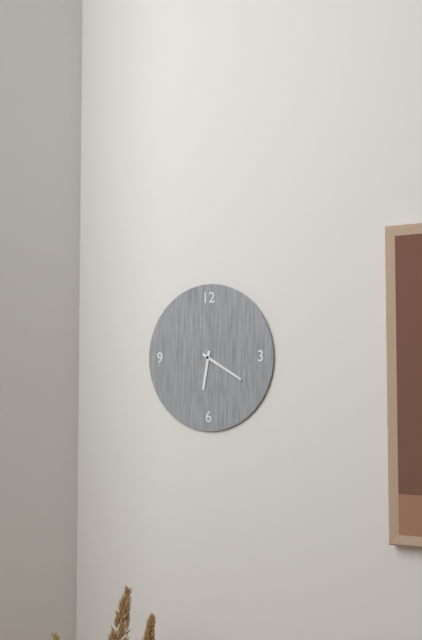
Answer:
6 h 20 min
